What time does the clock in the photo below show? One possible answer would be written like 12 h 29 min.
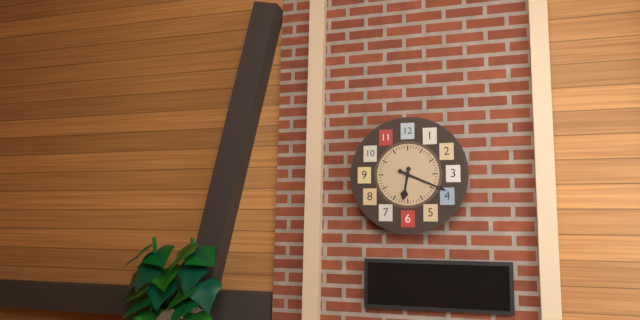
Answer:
6 h 19 min
